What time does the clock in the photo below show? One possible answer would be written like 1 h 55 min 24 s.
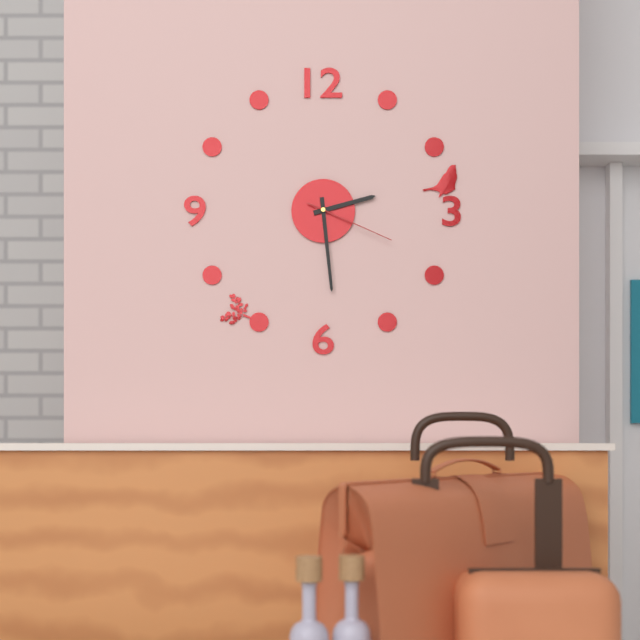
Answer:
2 h 29 min 19 s
